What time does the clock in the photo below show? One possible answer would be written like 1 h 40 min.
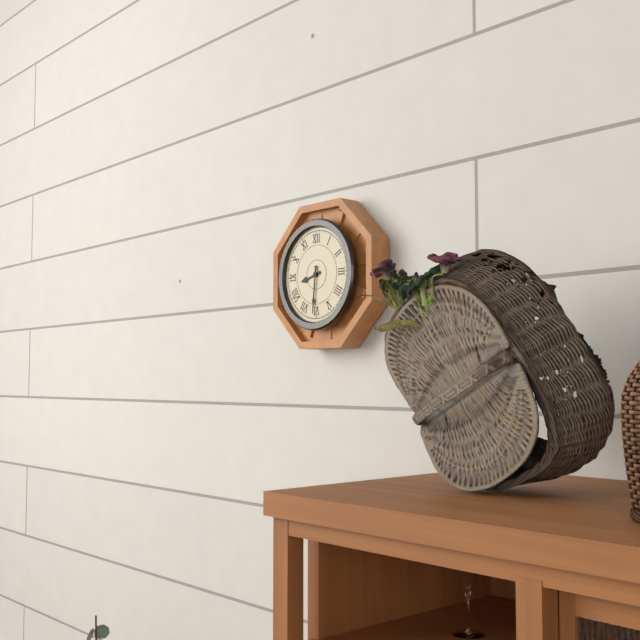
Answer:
8 h 31 min
